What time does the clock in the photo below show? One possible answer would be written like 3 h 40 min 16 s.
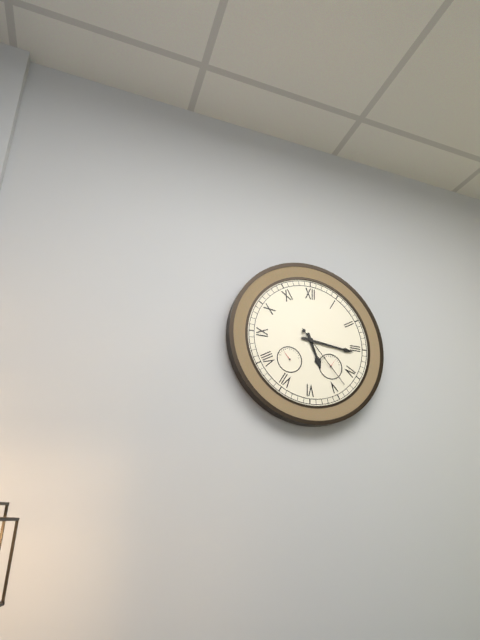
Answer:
5 h 16 min 23 s
